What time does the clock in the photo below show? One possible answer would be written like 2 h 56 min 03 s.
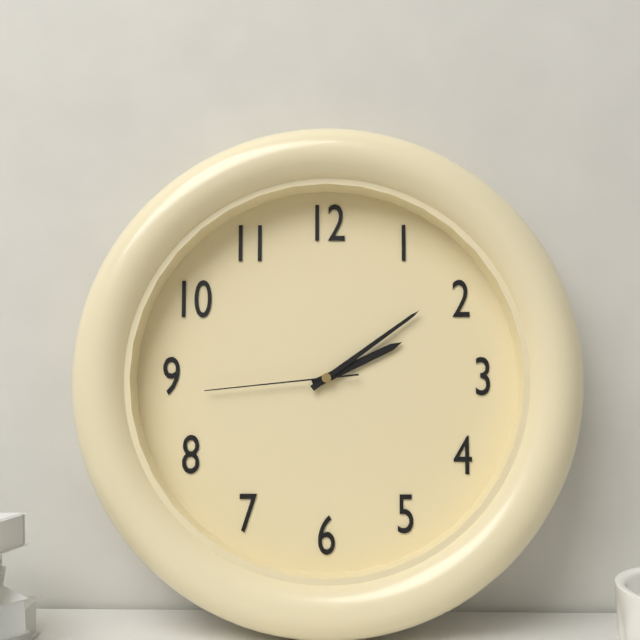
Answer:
2 h 09 min 44 s
